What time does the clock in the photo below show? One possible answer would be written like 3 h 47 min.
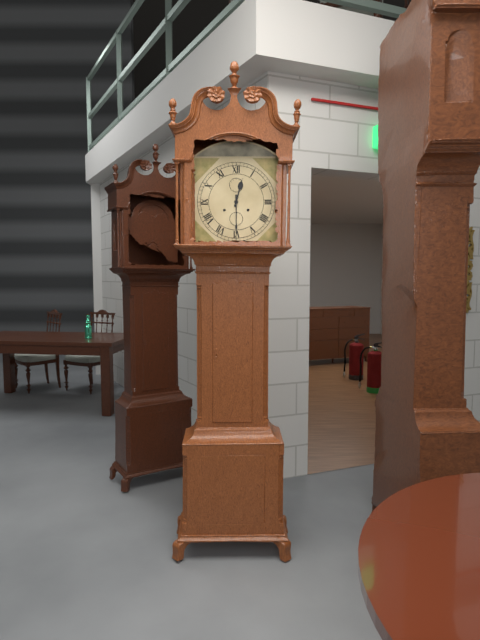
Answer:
12 h 30 min
